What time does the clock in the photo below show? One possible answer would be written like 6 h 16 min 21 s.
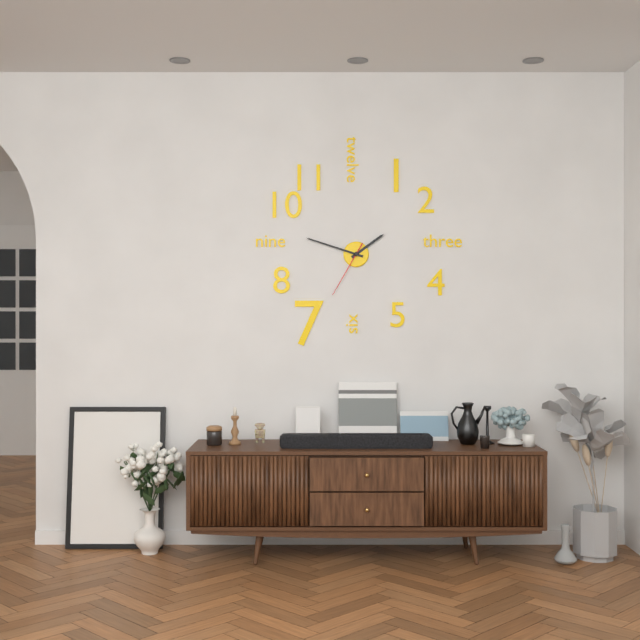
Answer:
1 h 48 min 35 s
